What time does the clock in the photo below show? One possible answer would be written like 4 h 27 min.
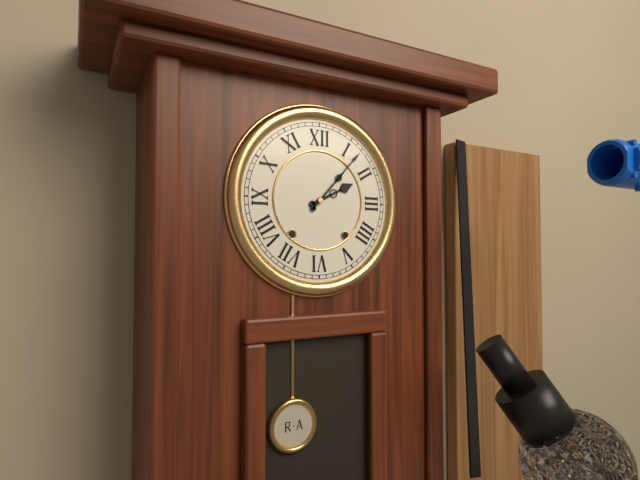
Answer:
2 h 07 min
